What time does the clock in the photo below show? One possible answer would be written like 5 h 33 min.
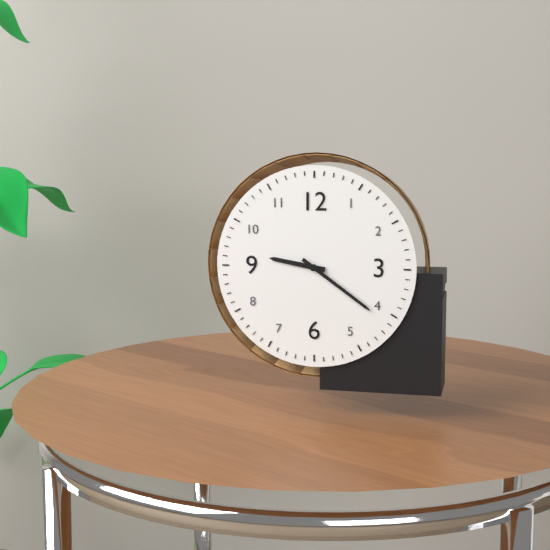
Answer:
9 h 21 min
